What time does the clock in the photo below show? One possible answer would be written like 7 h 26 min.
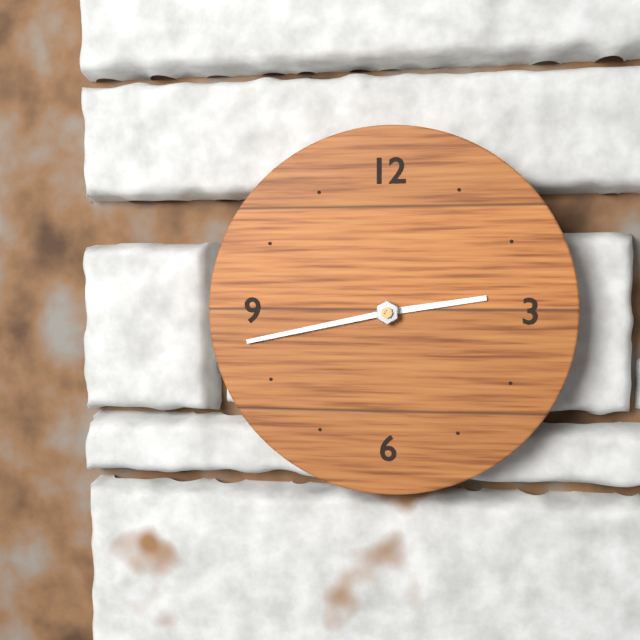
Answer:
2 h 43 min
